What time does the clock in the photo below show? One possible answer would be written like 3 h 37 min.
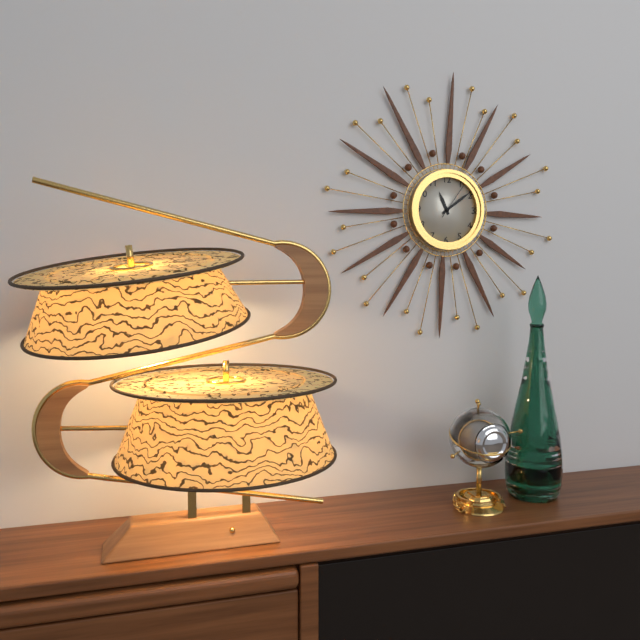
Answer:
11 h 09 min
